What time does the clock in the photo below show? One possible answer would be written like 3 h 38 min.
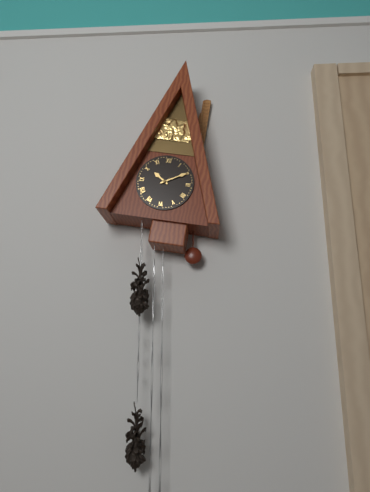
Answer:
10 h 10 min
